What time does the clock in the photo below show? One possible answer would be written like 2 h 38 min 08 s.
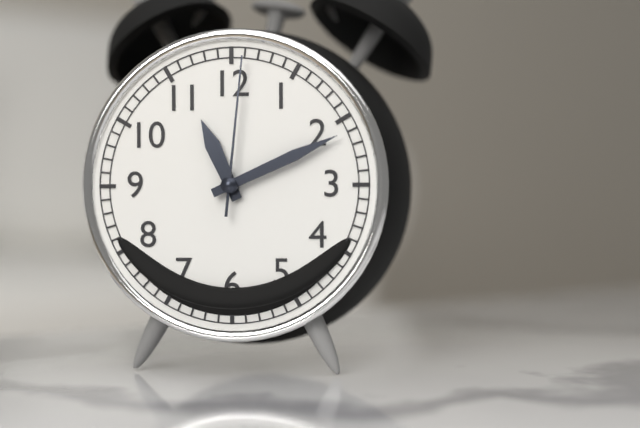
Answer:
11 h 11 min 01 s
